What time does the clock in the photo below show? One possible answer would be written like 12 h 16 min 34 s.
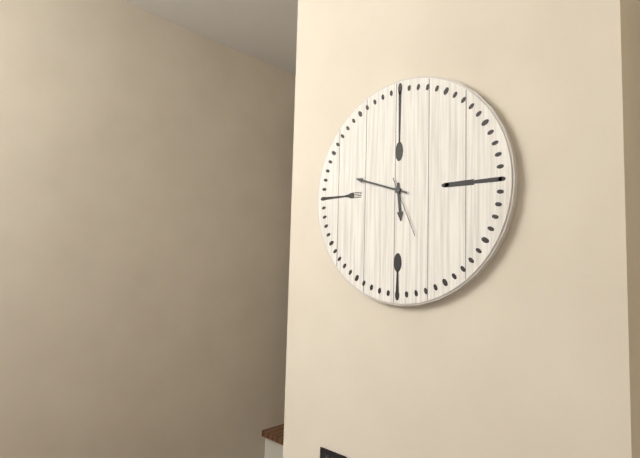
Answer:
5 h 48 min 26 s
